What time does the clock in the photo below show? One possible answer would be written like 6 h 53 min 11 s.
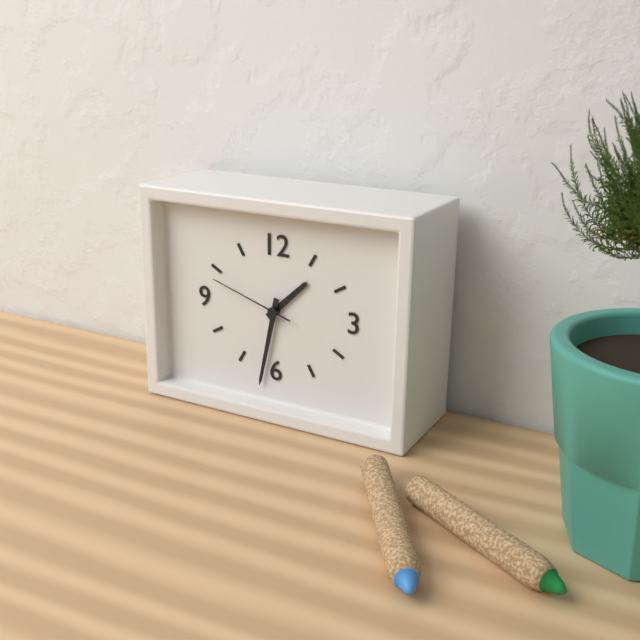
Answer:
1 h 32 min 48 s
